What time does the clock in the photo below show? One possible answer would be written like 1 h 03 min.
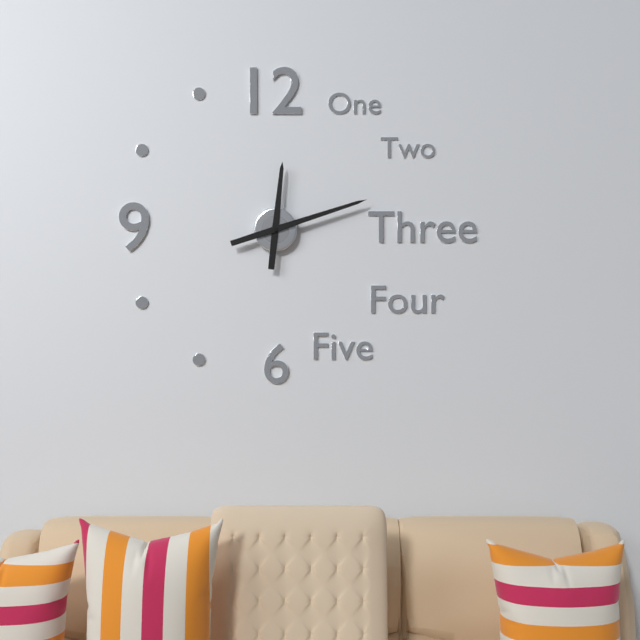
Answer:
12 h 12 min
